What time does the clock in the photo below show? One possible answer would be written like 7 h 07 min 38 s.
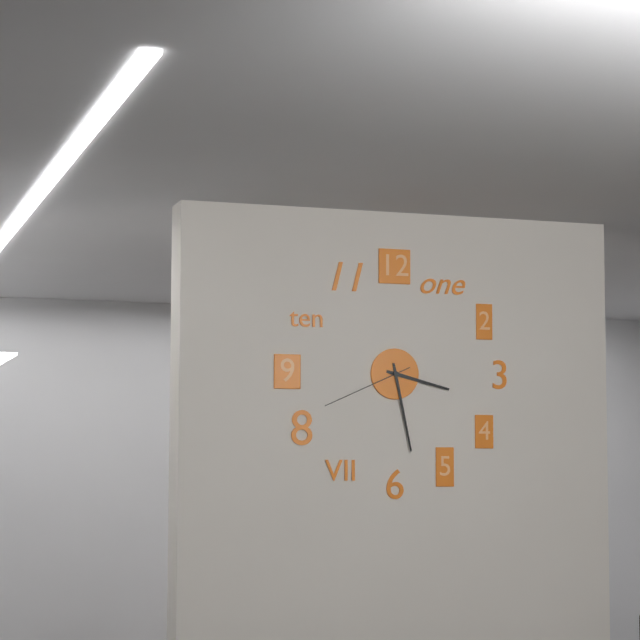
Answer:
3 h 28 min 41 s
